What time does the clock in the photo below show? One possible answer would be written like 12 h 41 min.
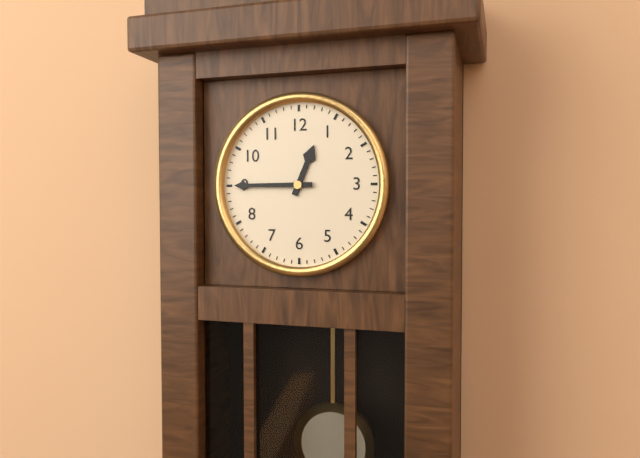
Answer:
12 h 45 min
